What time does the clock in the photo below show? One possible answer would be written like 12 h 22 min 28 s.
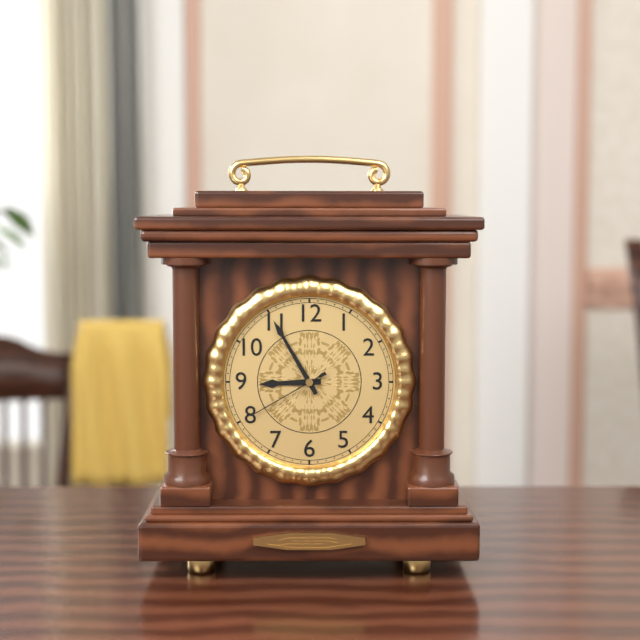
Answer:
8 h 55 min 40 s
